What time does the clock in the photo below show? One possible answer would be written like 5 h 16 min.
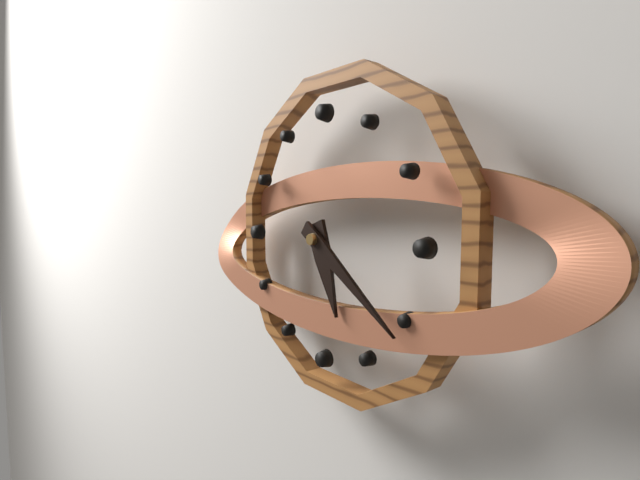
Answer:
5 h 21 min
